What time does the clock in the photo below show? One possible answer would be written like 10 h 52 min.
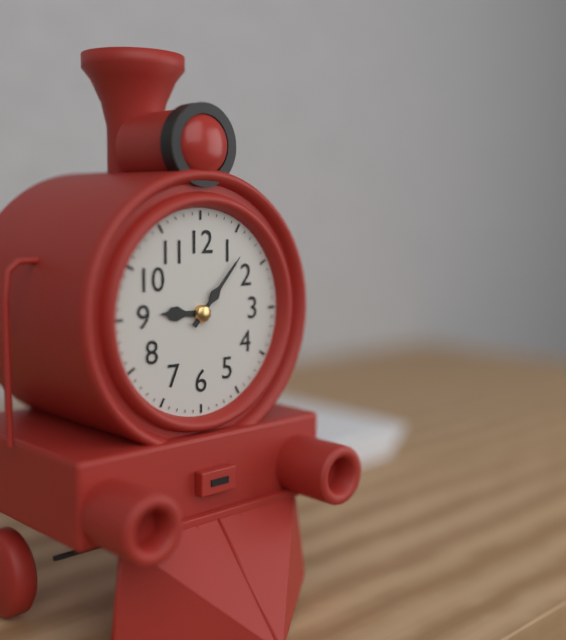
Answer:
9 h 07 min
